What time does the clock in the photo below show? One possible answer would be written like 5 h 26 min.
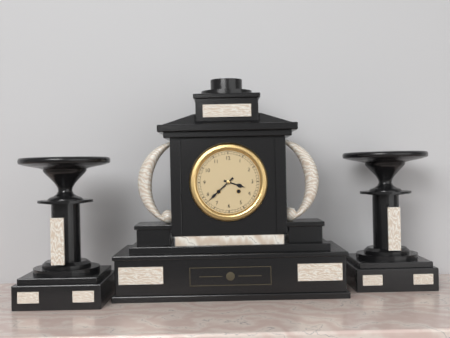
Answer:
3 h 38 min
